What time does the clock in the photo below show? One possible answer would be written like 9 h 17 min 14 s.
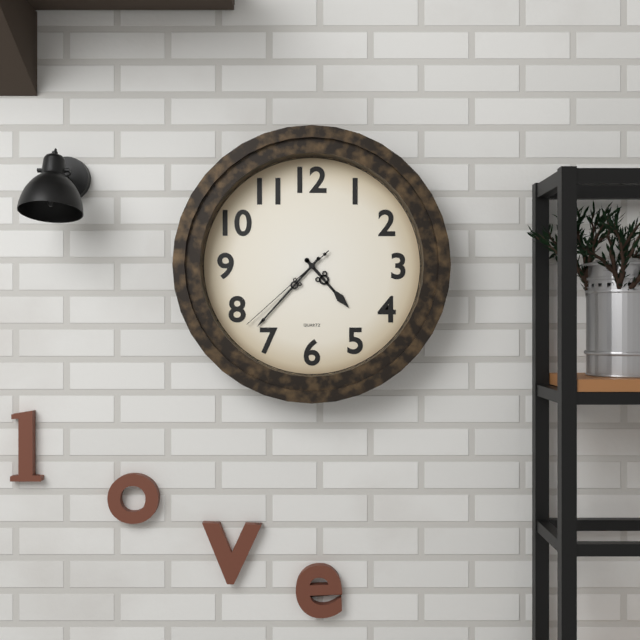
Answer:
4 h 37 min 38 s
